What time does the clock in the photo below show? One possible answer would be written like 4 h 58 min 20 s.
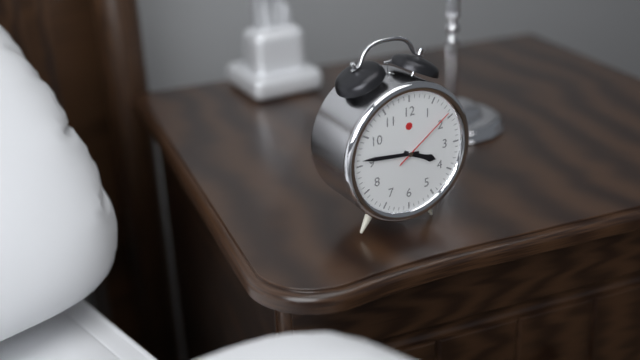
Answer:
3 h 46 min 09 s
